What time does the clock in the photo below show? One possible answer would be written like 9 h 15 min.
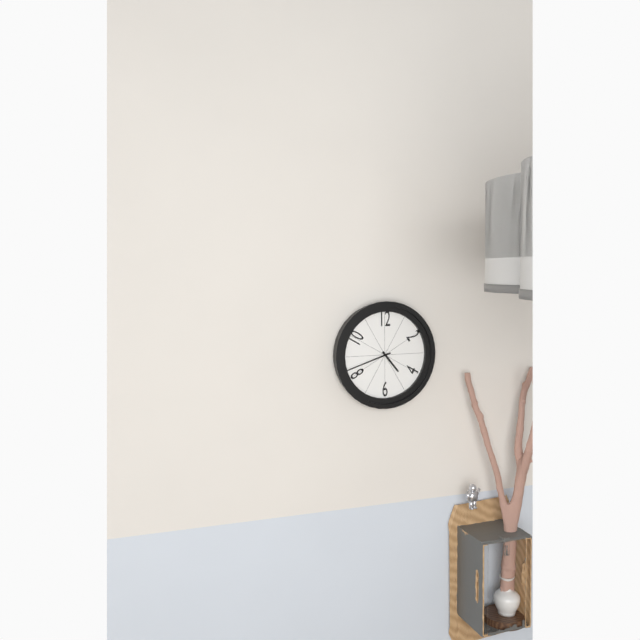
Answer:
4 h 42 min
